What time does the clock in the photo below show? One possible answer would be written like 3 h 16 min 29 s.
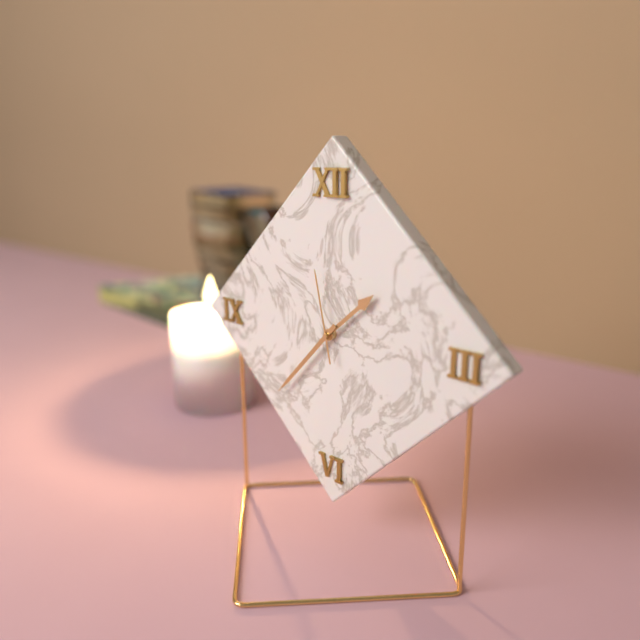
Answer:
1 h 37 min 58 s
